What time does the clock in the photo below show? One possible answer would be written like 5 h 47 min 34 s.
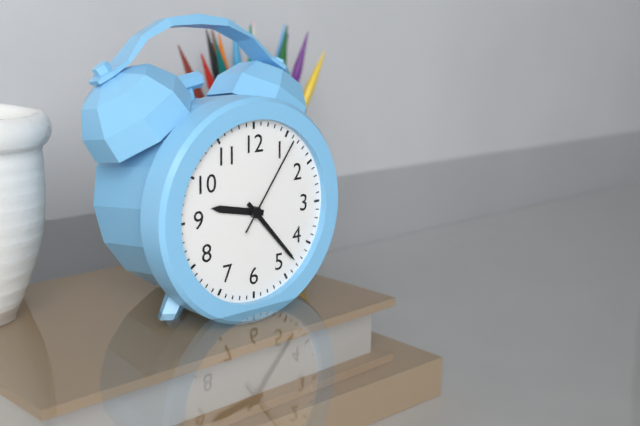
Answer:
9 h 23 min 06 s
